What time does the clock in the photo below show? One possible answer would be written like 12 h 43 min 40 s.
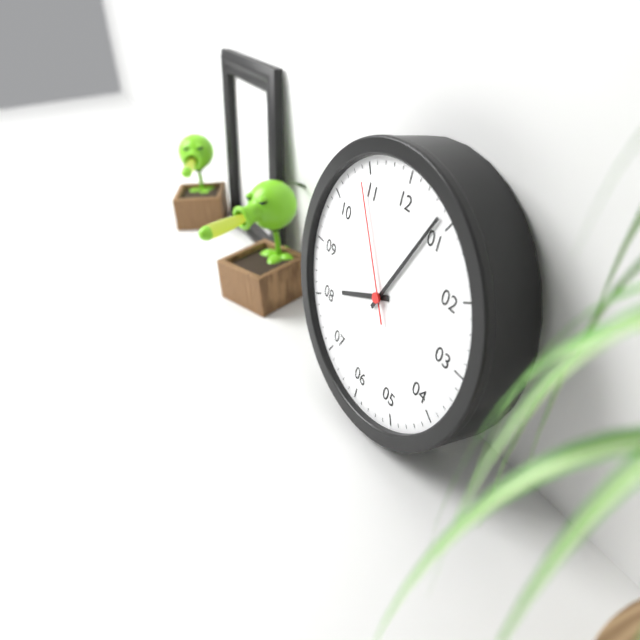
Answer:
8 h 04 min 54 s
